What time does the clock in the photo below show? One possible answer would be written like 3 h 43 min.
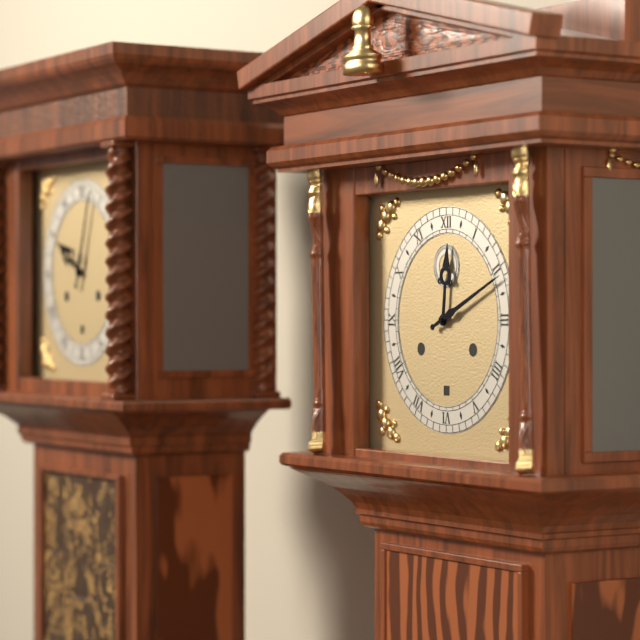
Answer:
12 h 11 min
